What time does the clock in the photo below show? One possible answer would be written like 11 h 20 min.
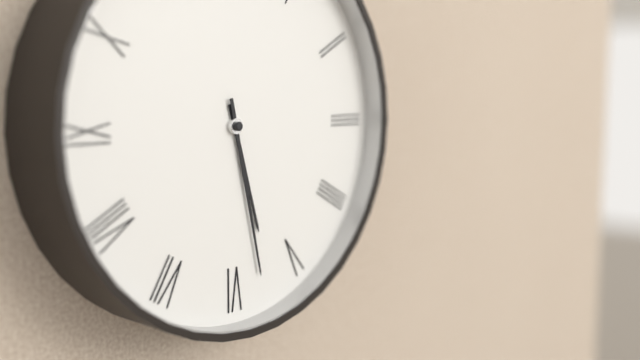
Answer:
5 h 28 min
